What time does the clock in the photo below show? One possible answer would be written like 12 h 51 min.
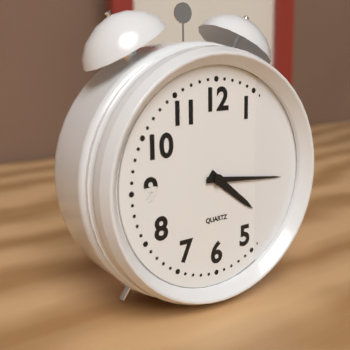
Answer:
4 h 16 min
